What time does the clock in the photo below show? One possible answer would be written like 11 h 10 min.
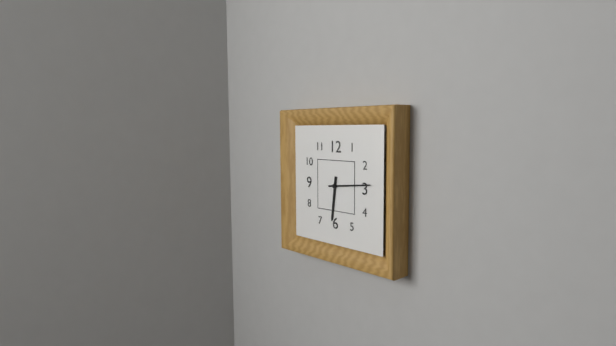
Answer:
6 h 14 min
